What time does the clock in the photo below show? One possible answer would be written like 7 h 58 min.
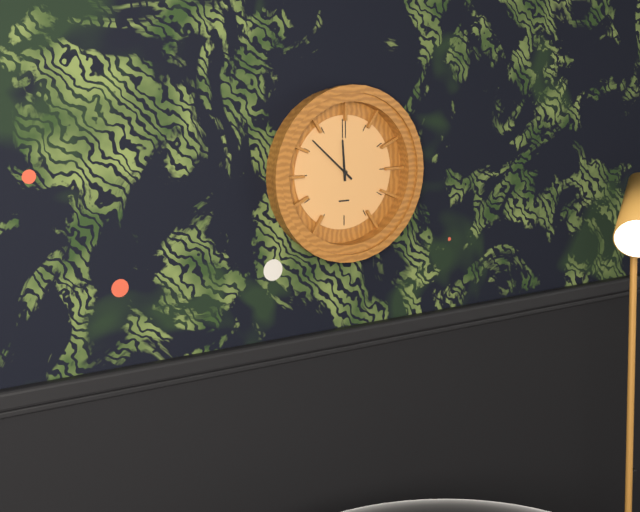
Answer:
11 h 52 min
